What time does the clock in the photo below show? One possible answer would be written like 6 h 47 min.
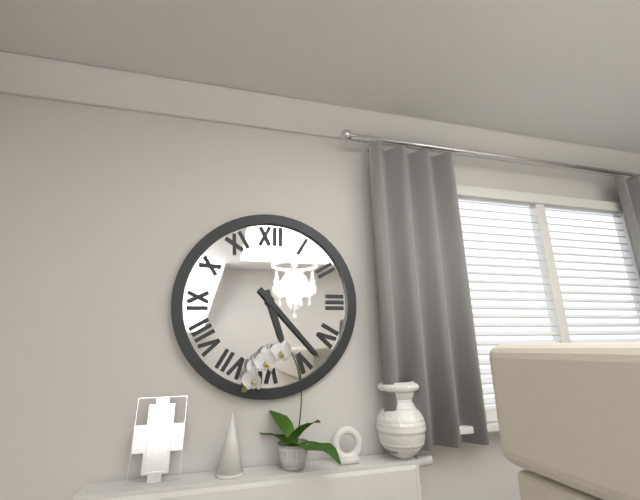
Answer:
5 h 23 min
